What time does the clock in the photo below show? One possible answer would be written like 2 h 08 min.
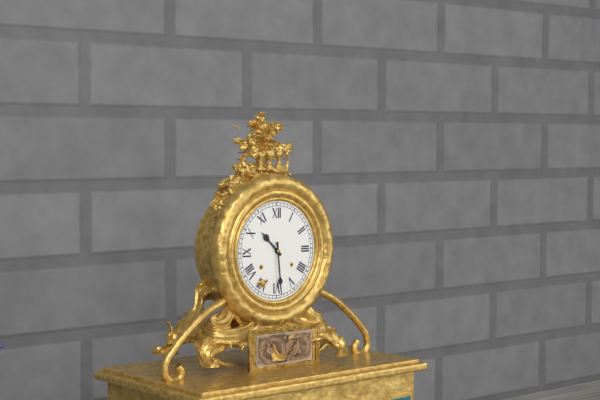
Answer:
10 h 29 min
